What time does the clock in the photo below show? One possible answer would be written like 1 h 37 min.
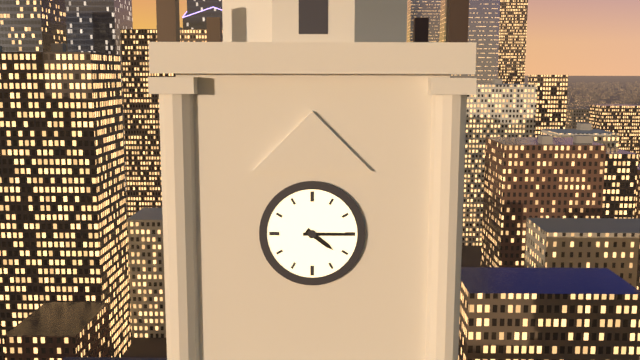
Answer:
4 h 15 min
